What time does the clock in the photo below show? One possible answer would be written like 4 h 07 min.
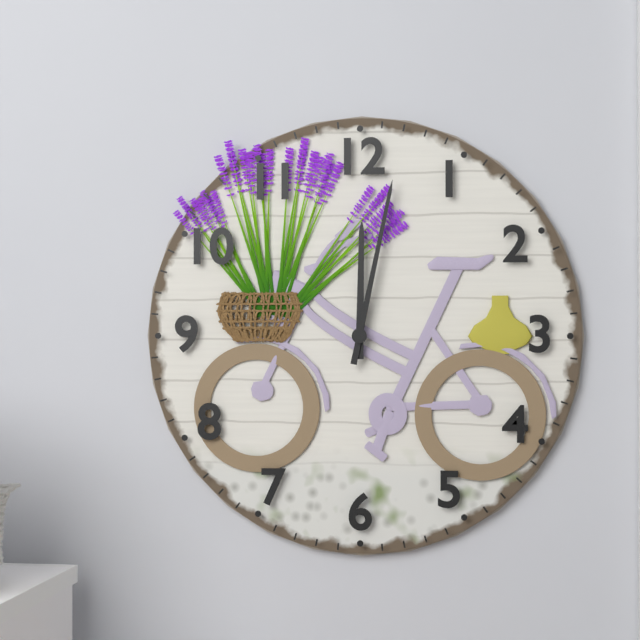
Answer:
12 h 02 min
